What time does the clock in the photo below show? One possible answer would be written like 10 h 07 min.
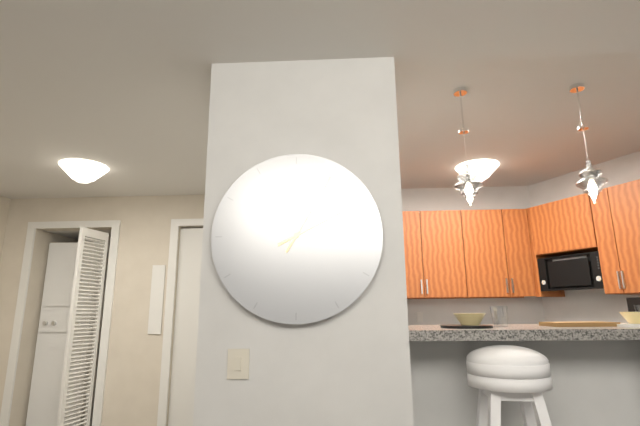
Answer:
2 h 05 min
